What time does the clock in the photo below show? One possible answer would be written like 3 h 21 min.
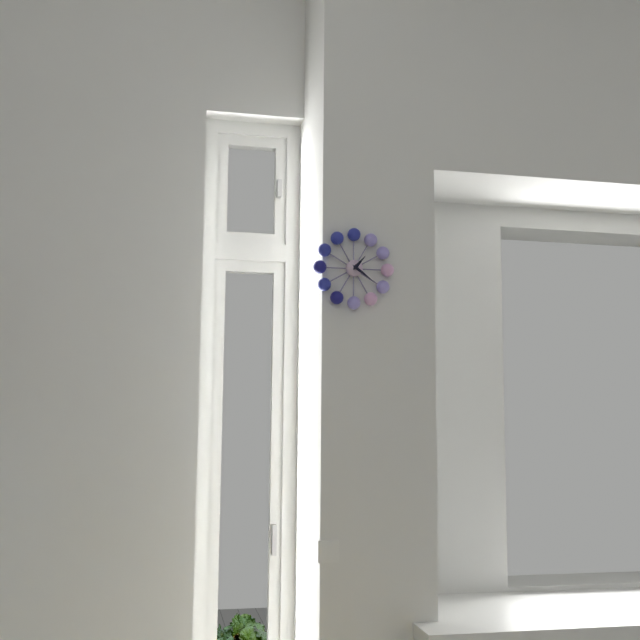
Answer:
1 h 21 min
